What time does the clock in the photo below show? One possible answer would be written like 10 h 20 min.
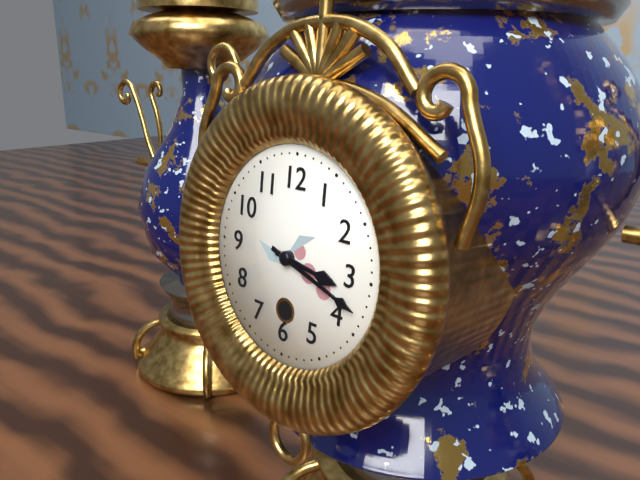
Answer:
3 h 18 min
